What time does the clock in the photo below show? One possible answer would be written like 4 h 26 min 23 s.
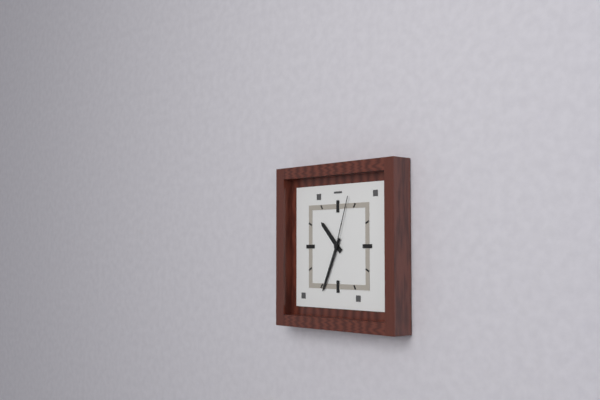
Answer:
10 h 34 min 03 s
